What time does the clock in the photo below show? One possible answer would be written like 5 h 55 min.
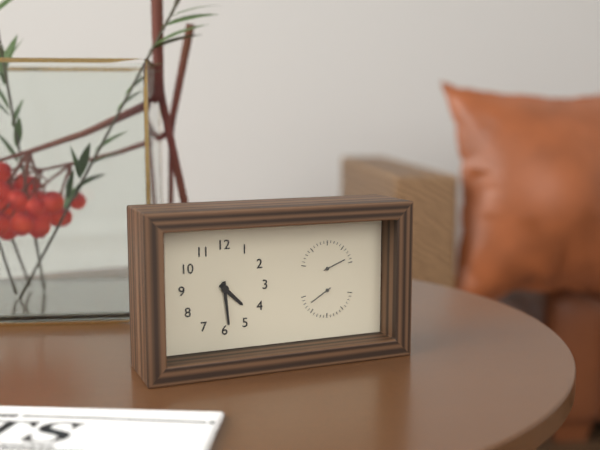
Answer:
4 h 29 min
